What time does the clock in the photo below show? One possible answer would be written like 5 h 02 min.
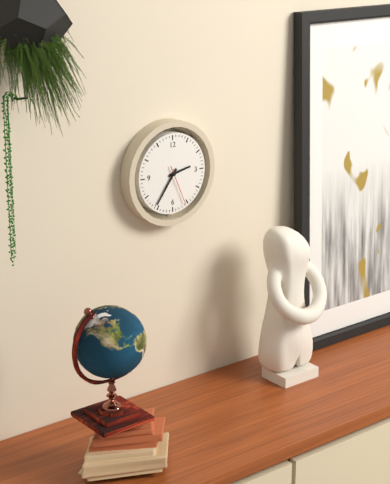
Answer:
2 h 36 min
